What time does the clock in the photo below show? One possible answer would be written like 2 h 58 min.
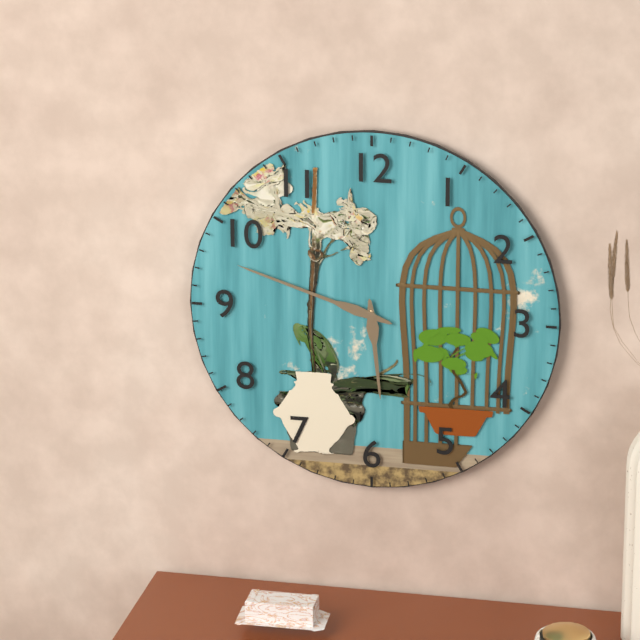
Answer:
5 h 48 min
